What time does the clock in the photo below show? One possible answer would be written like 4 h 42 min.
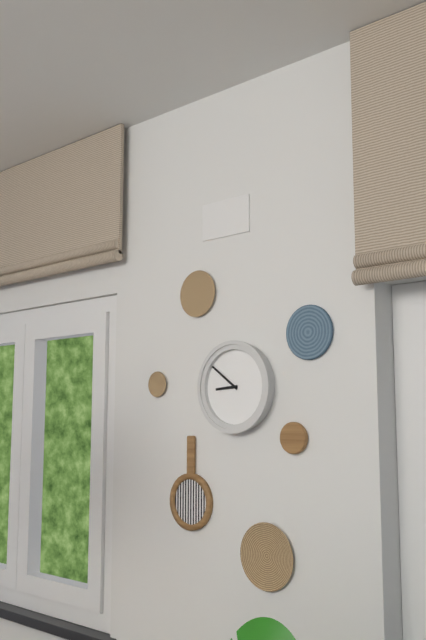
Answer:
8 h 51 min
